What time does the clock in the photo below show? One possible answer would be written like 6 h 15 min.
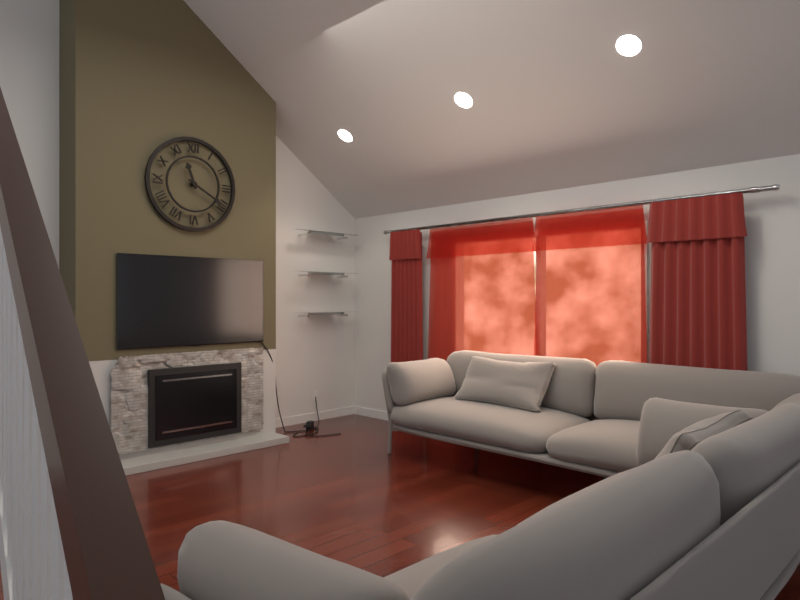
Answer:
11 h 20 min
